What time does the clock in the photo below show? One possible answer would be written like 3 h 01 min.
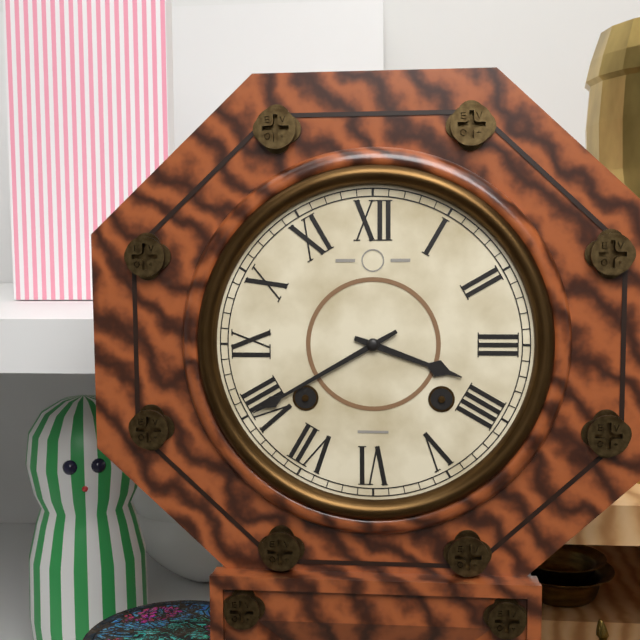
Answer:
3 h 40 min
